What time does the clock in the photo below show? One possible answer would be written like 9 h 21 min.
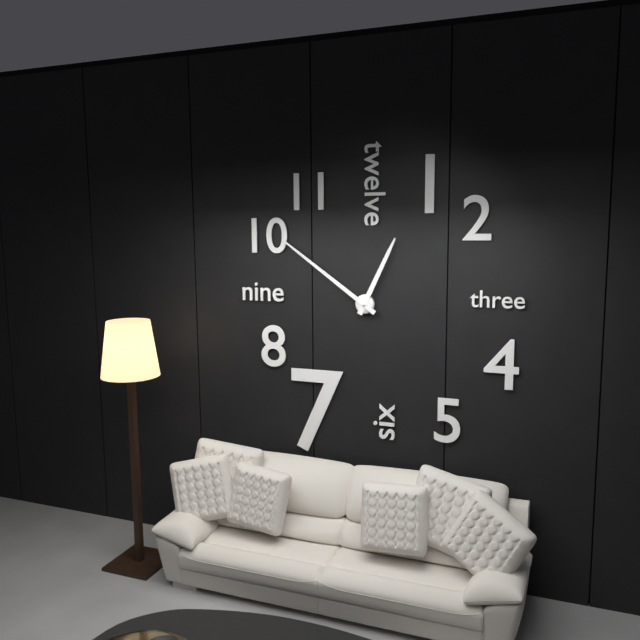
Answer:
12 h 51 min
